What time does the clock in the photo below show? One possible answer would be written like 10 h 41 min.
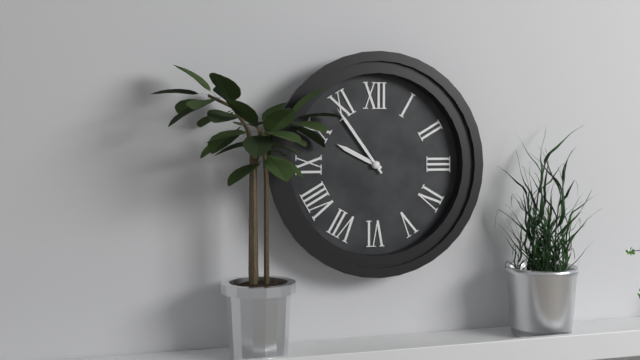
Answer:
9 h 54 min
